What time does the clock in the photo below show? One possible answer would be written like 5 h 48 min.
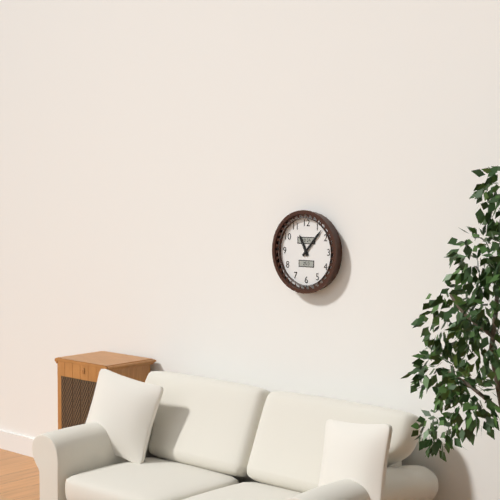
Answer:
11 h 07 min
